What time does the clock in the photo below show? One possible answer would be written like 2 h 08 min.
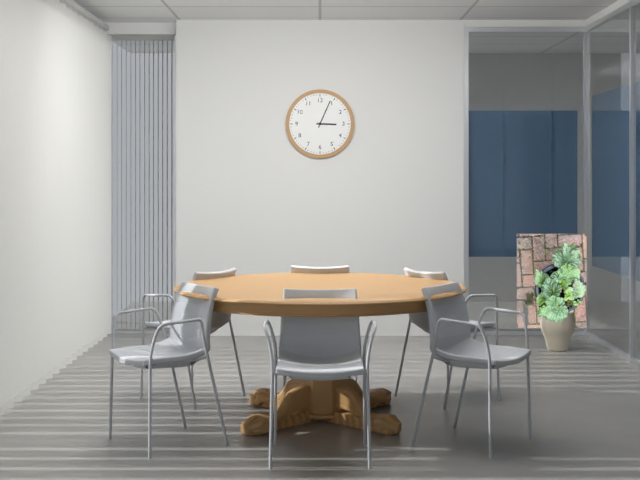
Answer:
3 h 04 min
